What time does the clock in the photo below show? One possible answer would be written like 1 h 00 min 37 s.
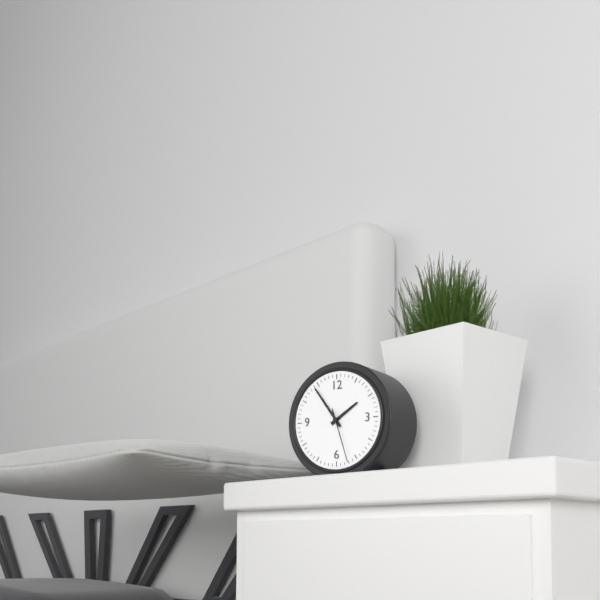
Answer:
1 h 54 min 27 s
